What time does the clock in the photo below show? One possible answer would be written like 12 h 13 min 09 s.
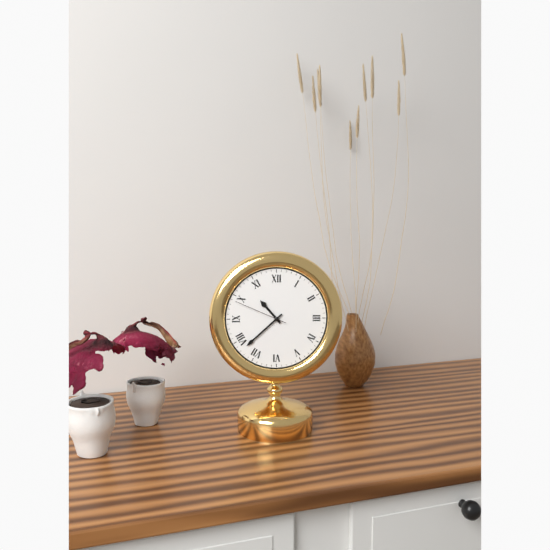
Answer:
10 h 38 min 49 s
